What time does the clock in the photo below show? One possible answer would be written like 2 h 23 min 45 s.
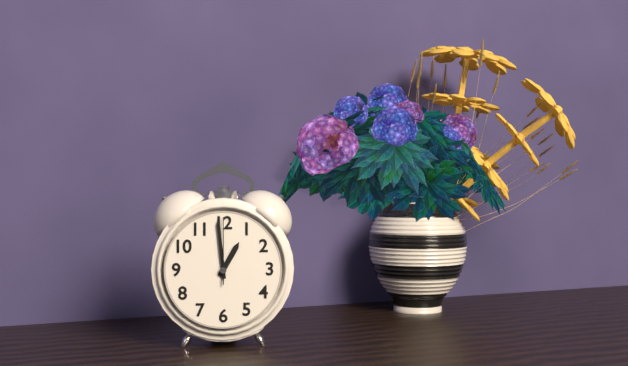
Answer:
12 h 59 min 00 s
